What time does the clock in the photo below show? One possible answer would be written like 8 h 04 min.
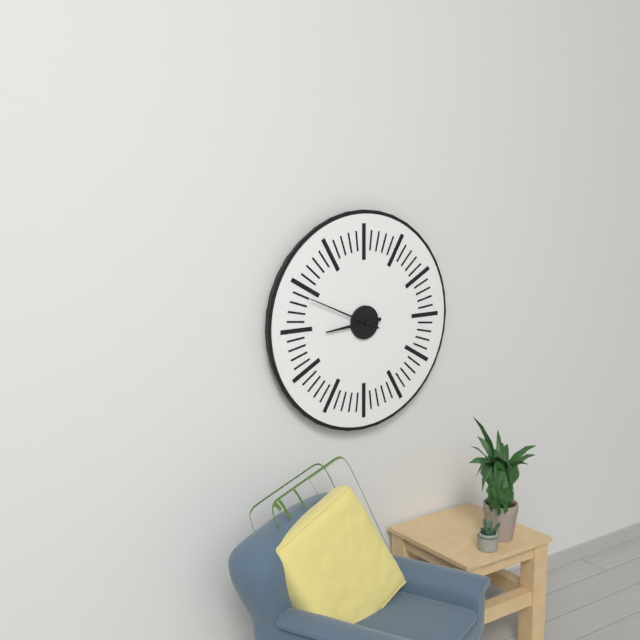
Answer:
8 h 49 min
